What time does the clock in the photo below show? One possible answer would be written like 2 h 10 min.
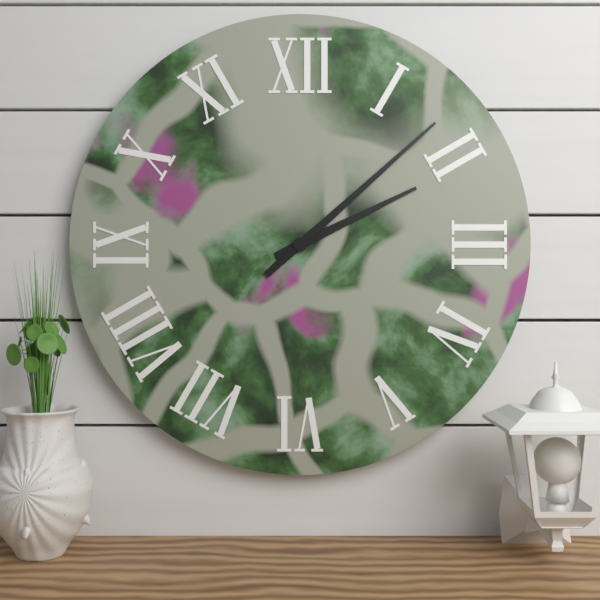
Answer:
2 h 08 min
